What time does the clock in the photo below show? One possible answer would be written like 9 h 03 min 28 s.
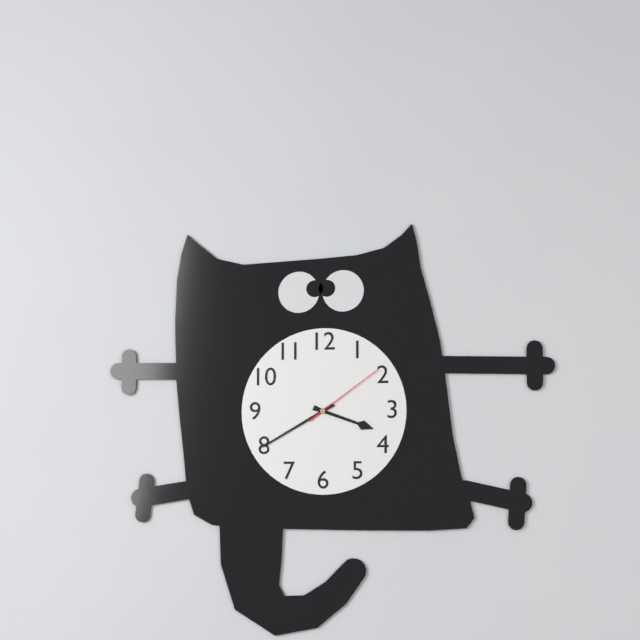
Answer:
3 h 40 min 09 s
